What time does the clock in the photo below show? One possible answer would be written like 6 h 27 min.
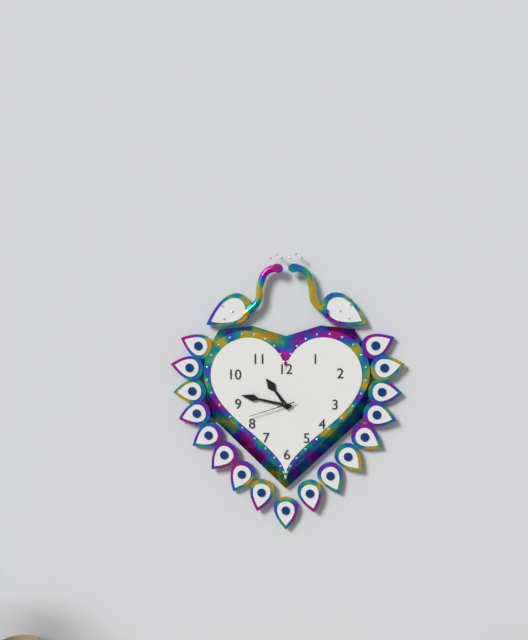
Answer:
10 h 47 min
